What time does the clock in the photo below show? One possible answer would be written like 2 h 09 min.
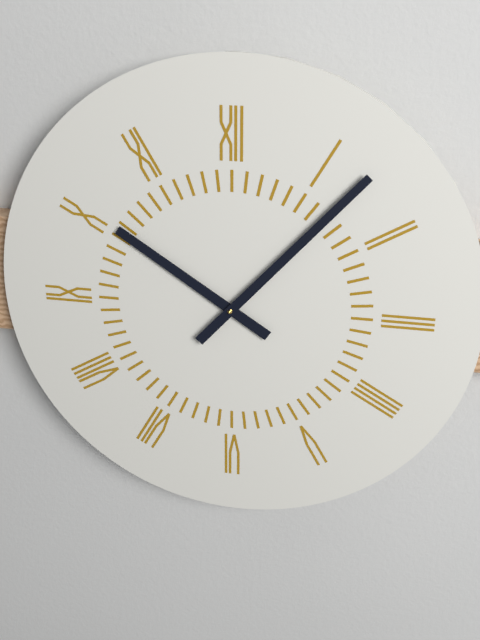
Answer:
10 h 07 min
